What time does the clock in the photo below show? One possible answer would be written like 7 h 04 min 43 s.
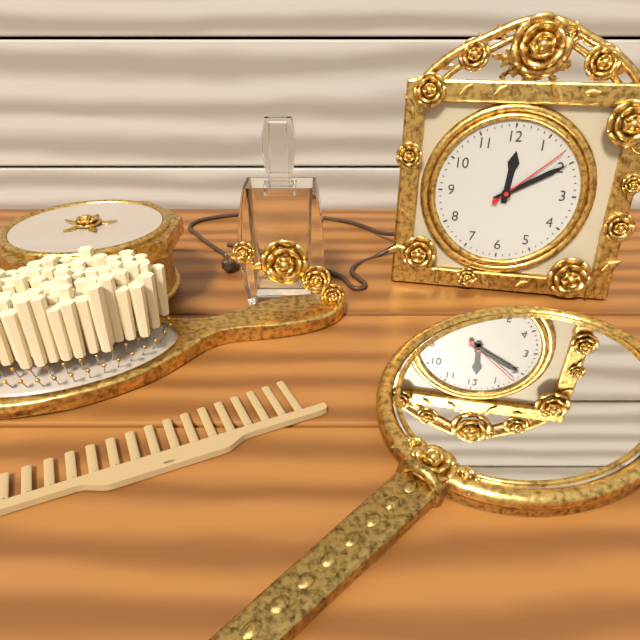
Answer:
12 h 10 min 08 s
